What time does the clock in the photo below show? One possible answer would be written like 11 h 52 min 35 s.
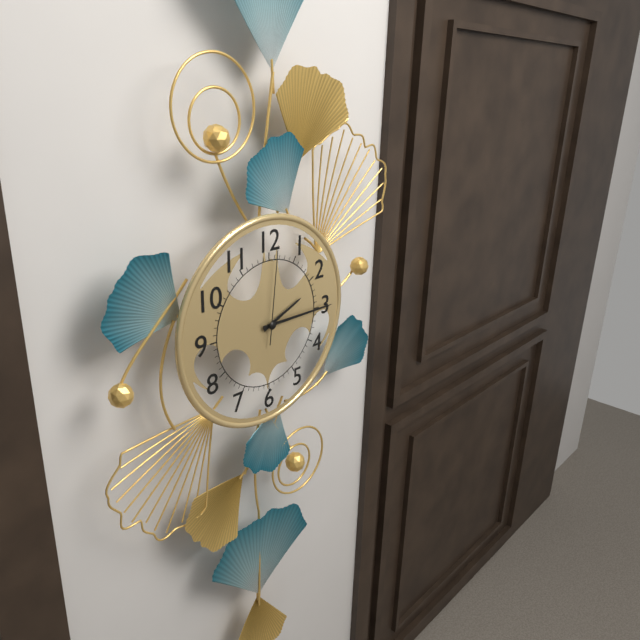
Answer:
2 h 15 min 01 s
